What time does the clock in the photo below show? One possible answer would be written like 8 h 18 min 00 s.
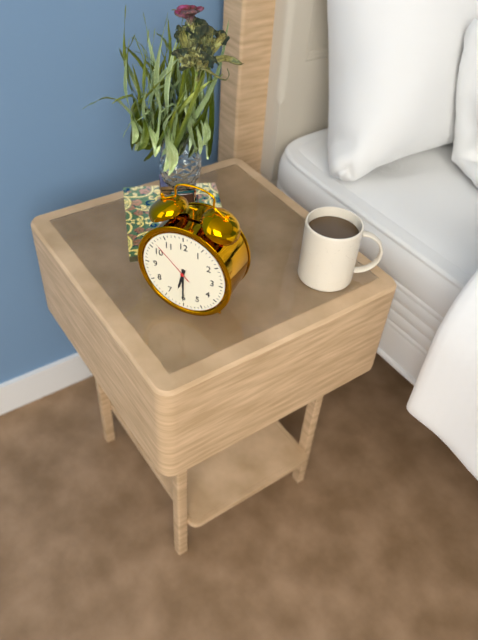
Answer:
6 h 30 min 52 s
